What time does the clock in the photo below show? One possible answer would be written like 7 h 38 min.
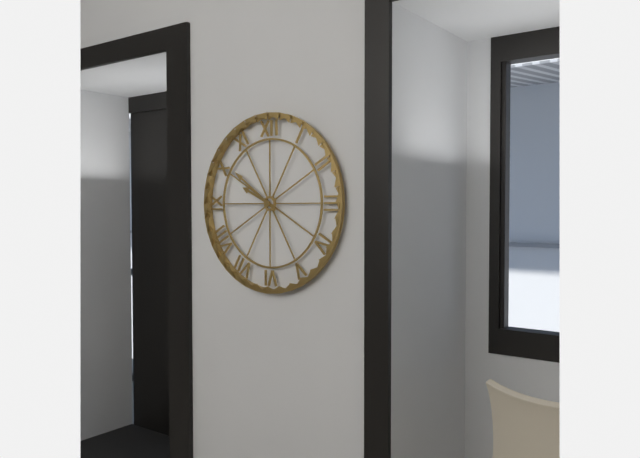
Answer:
9 h 51 min
